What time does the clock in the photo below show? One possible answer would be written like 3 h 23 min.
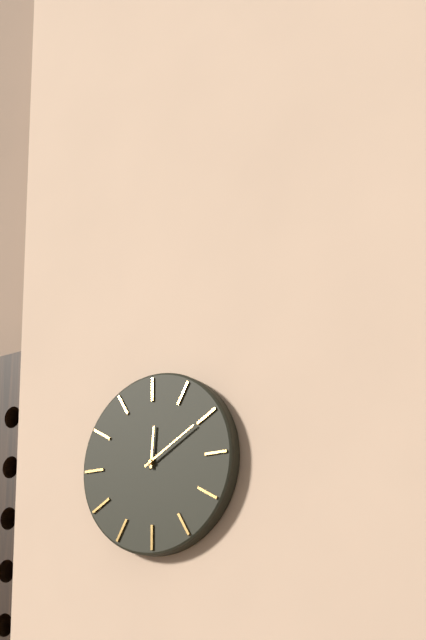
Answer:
12 h 10 min
